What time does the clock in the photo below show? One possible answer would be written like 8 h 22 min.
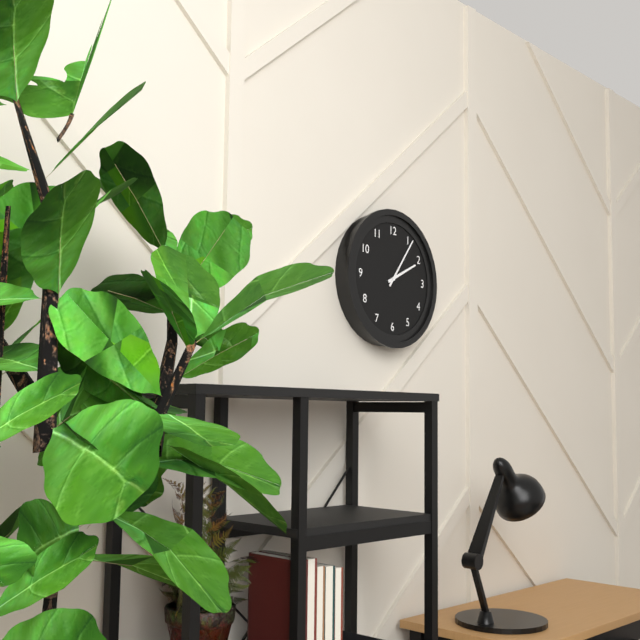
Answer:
2 h 06 min
